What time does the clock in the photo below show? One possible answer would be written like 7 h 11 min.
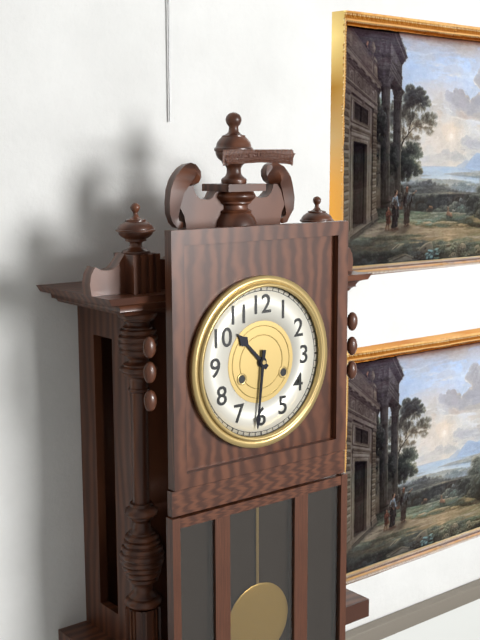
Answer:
10 h 31 min
